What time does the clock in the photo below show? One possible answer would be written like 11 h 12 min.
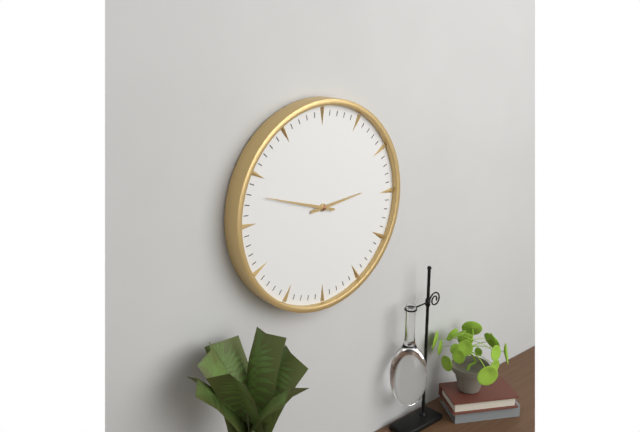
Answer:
2 h 48 min
